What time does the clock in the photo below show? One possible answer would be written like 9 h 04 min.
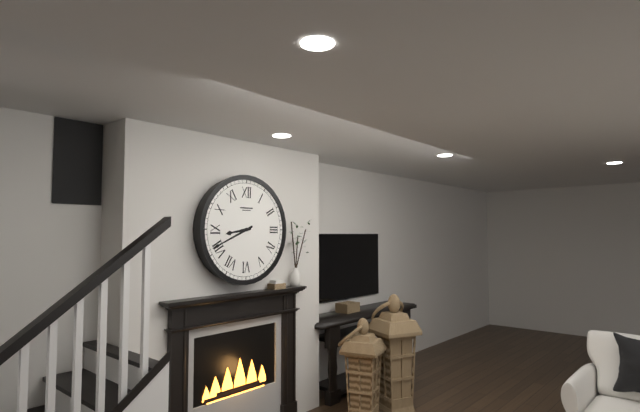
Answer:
8 h 41 min
